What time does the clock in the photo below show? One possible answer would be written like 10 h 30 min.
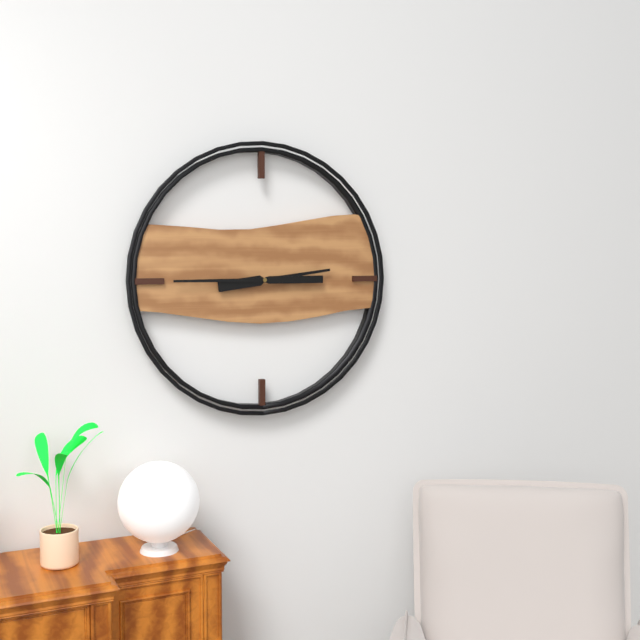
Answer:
2 h 45 min
